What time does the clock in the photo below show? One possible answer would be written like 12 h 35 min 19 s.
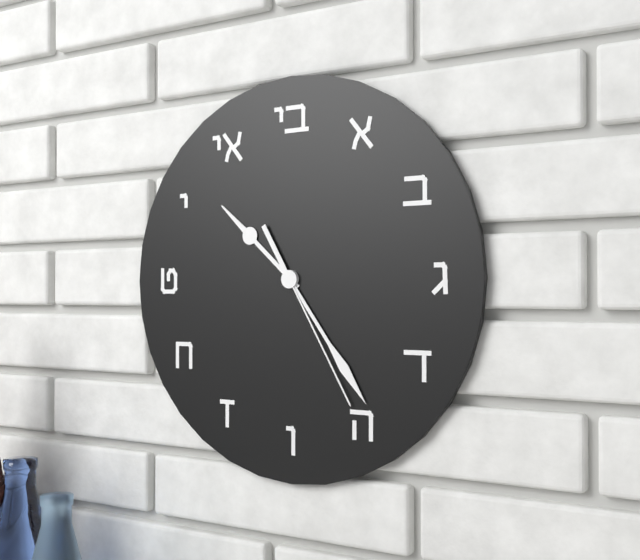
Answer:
10 h 24 min 25 s
